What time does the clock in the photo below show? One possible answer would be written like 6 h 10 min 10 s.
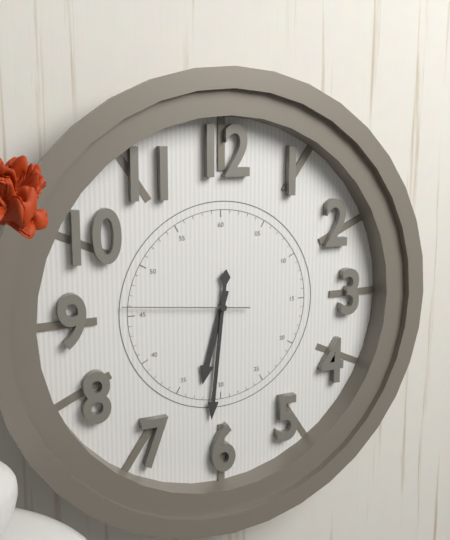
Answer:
6 h 31 min 46 s
